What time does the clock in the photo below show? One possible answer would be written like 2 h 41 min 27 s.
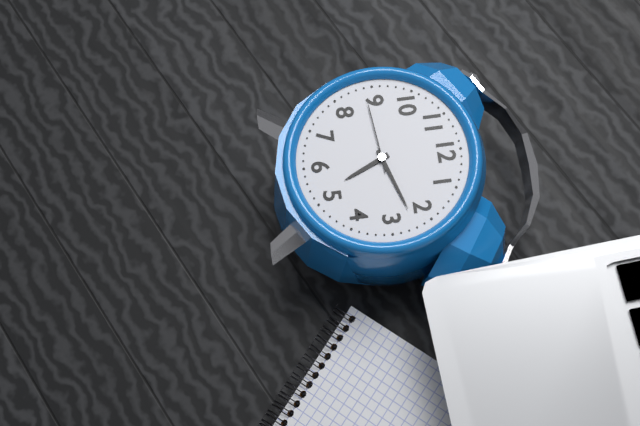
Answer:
5 h 12 min 44 s
